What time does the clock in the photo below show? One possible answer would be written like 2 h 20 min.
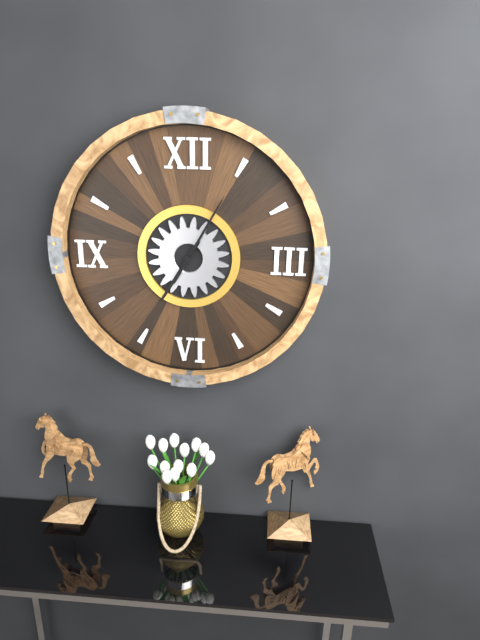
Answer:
7 h 05 min
